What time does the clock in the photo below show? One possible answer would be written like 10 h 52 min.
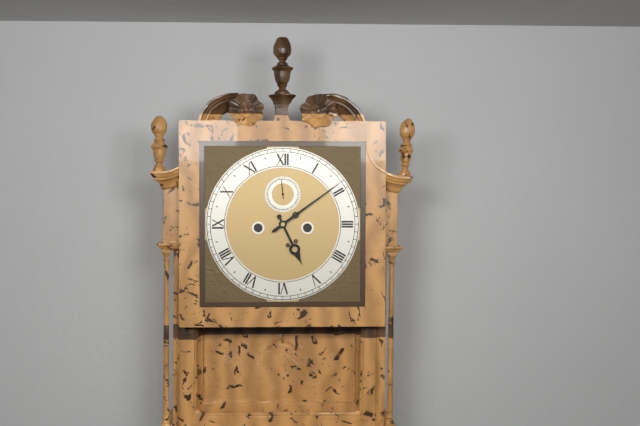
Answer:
5 h 09 min
